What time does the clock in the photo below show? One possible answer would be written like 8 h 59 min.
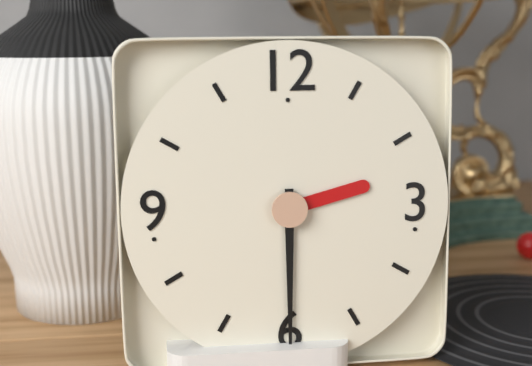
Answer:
2 h 30 min
